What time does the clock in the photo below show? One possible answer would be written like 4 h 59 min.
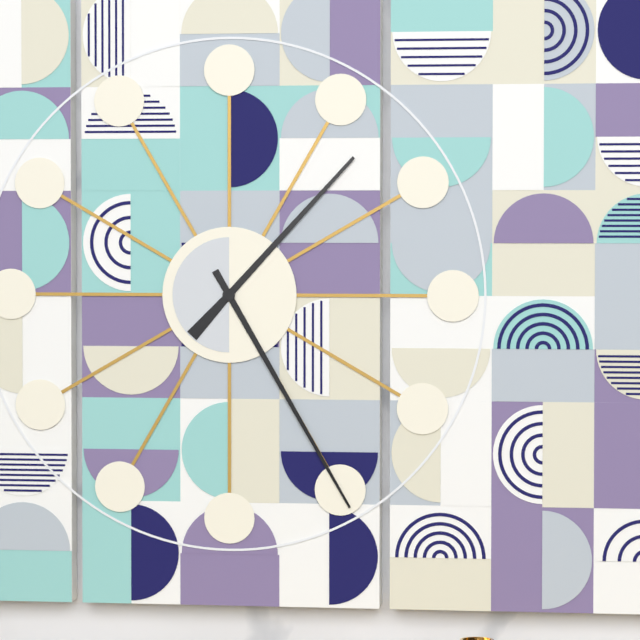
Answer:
1 h 25 min
